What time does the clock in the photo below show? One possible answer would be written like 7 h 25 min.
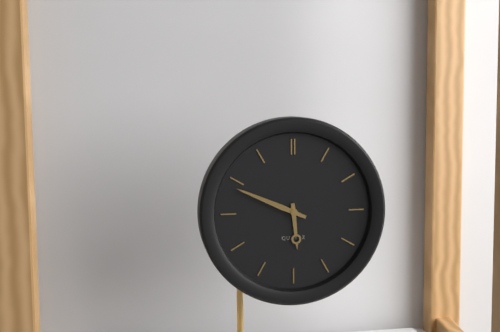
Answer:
5 h 49 min
